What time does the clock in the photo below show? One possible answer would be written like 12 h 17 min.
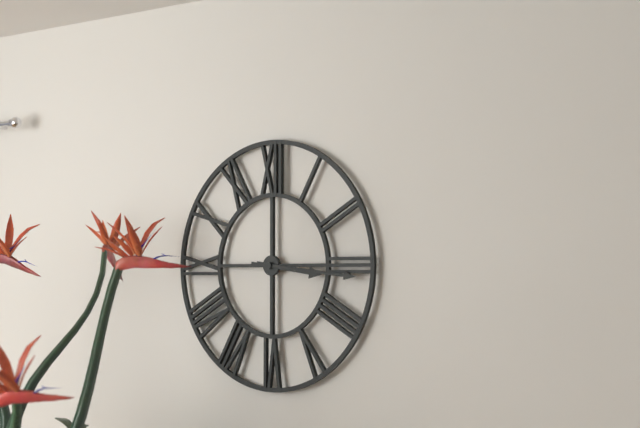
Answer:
3 h 16 min
